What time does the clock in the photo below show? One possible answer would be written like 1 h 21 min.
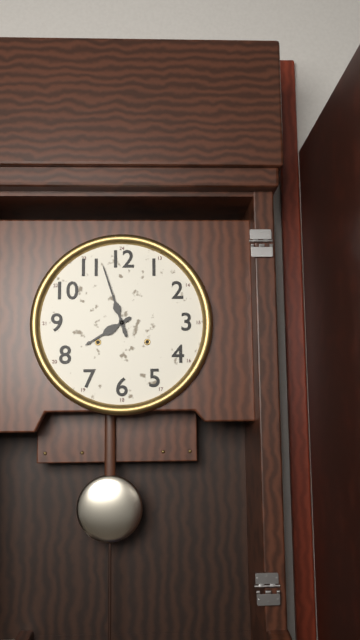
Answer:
7 h 57 min
